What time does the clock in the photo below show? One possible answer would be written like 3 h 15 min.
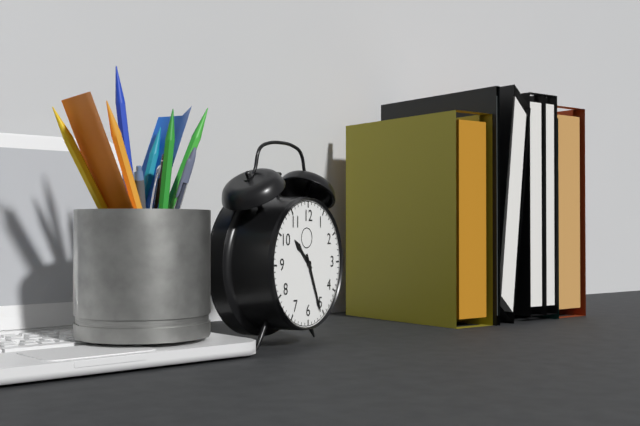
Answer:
10 h 26 min
